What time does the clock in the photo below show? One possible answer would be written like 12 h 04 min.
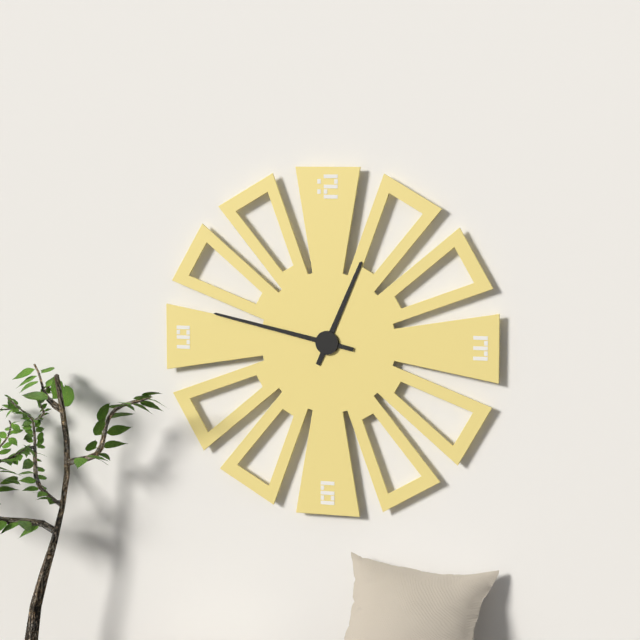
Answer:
12 h 47 min
